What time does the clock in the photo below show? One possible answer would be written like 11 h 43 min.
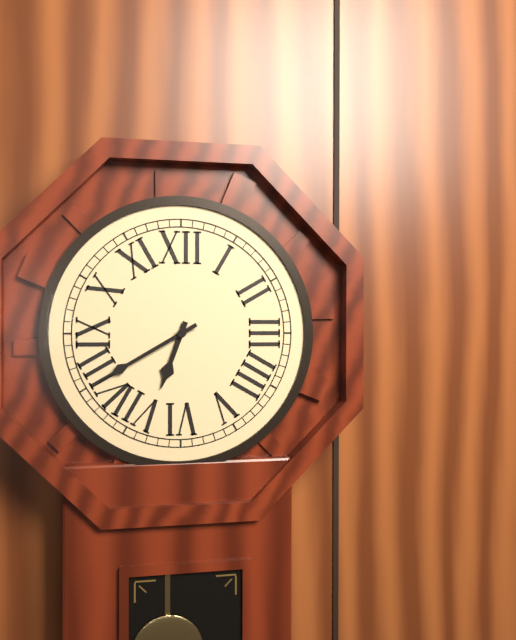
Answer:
6 h 40 min
